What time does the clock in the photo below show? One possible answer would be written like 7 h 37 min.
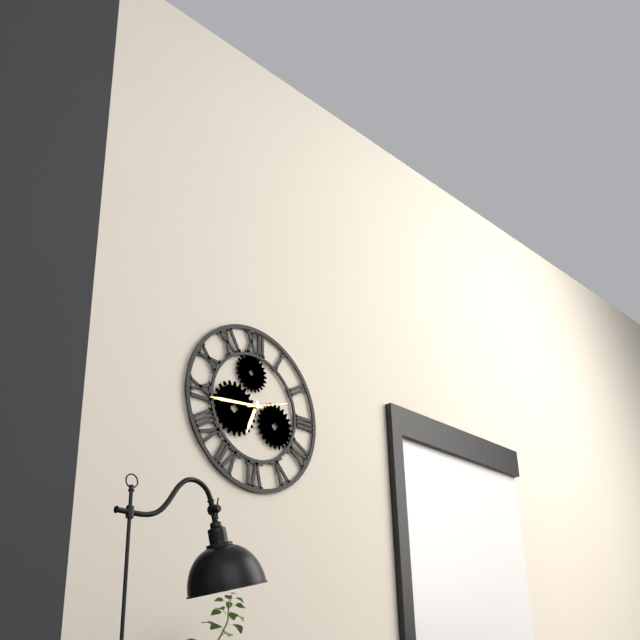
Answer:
6 h 44 min
